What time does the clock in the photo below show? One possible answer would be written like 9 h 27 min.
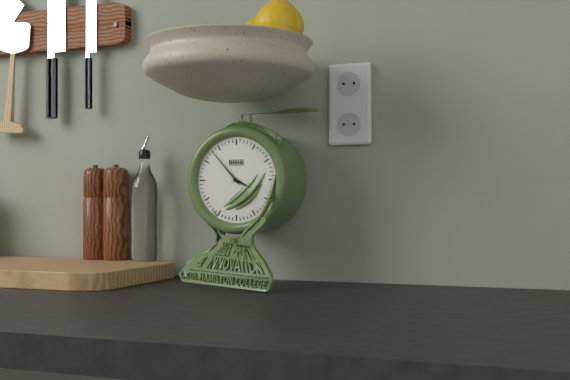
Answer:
3 h 53 min
